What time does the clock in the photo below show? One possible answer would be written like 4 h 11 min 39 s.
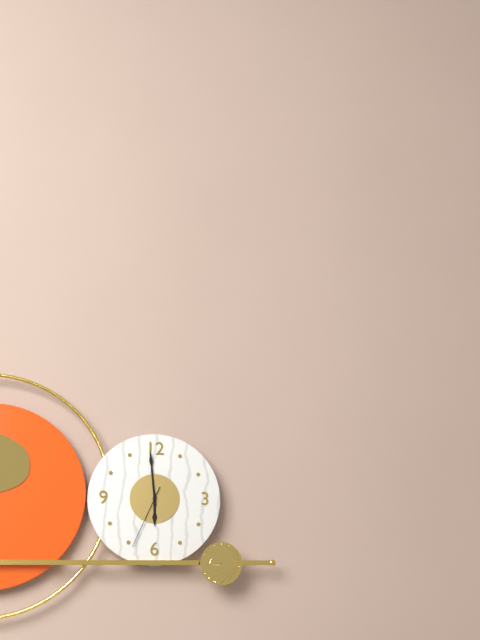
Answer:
5 h 59 min 34 s
